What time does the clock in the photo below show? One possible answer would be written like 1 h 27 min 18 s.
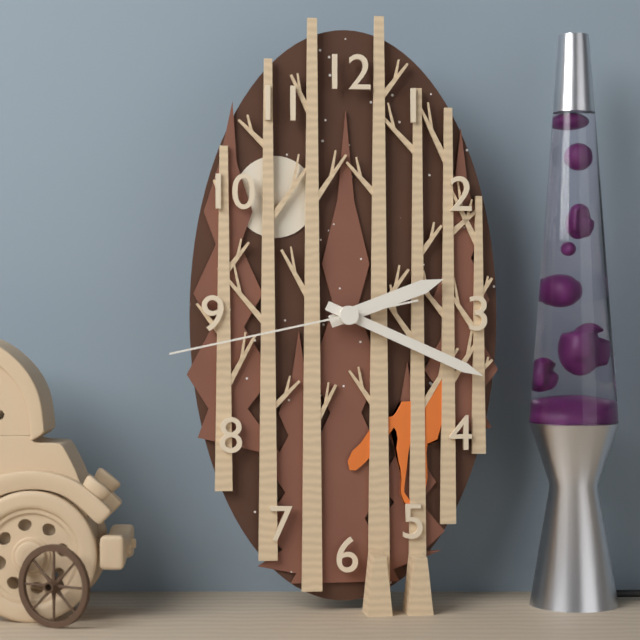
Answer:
2 h 19 min 43 s
